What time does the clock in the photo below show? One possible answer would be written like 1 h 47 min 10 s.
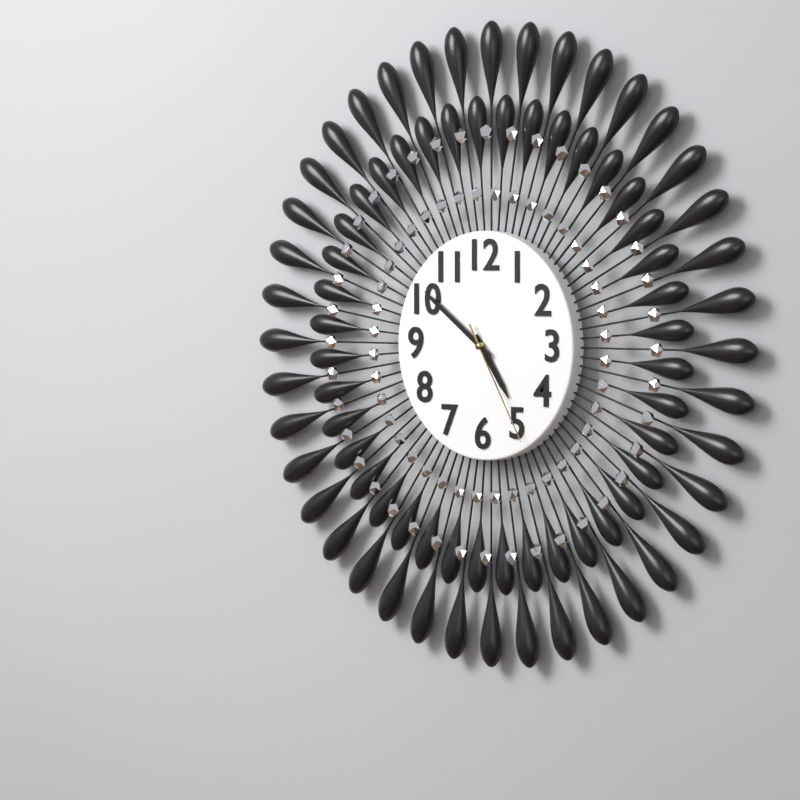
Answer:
4 h 51 min 25 s
